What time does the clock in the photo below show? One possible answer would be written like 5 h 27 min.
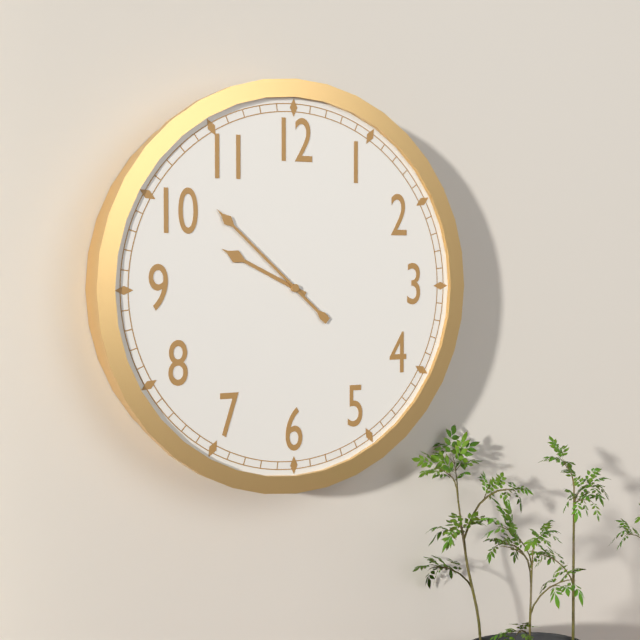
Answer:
9 h 52 min
